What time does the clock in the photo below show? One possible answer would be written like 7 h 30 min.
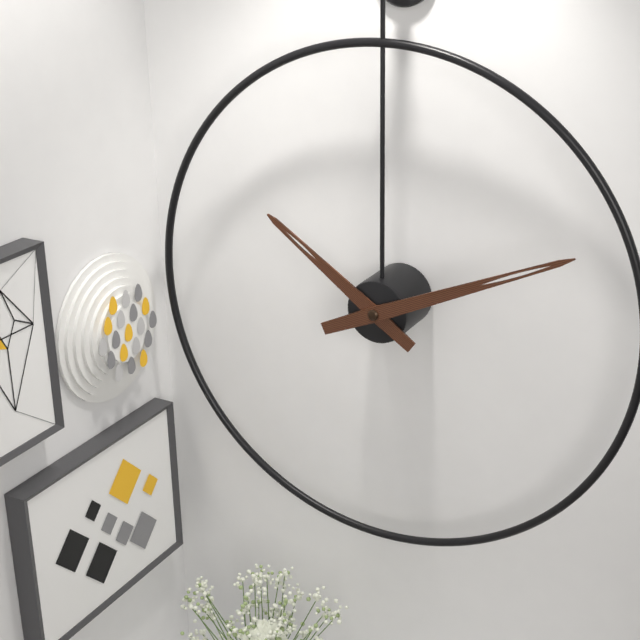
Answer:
10 h 11 min
